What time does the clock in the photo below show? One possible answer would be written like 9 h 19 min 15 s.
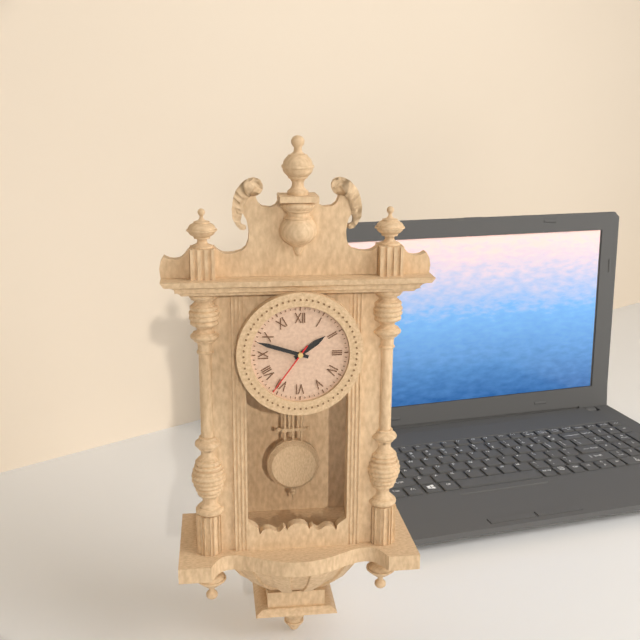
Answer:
1 h 48 min 36 s
